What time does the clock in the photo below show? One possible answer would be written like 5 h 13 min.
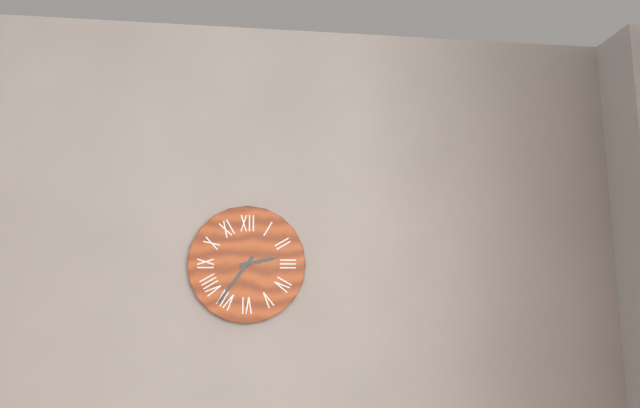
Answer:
2 h 36 min
